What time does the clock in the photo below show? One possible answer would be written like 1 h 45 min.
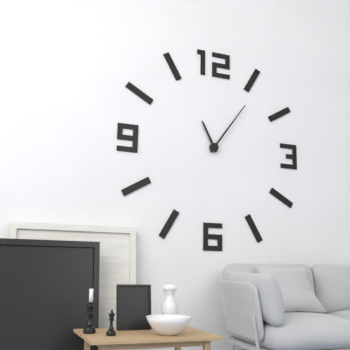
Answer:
11 h 06 min
